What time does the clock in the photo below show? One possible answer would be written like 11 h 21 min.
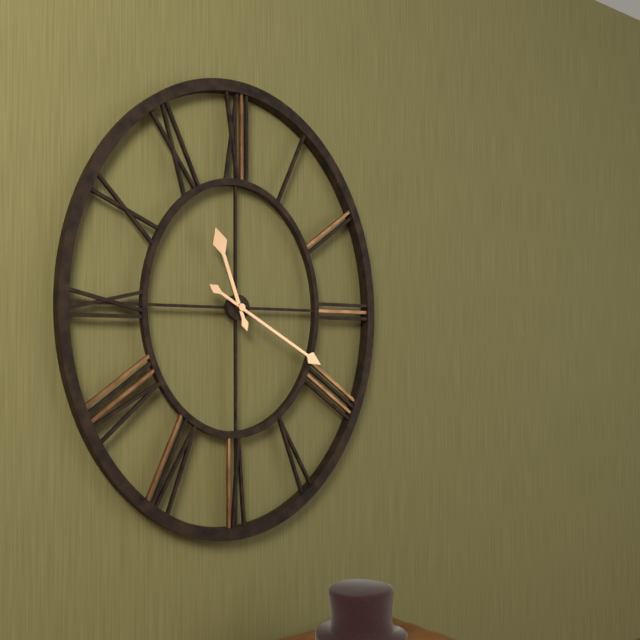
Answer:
11 h 20 min
